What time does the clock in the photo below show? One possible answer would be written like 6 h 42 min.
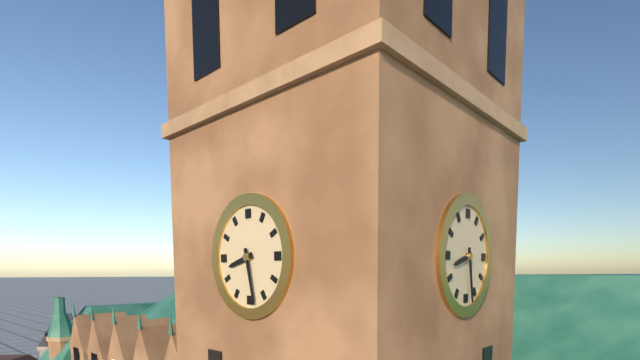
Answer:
8 h 28 min
